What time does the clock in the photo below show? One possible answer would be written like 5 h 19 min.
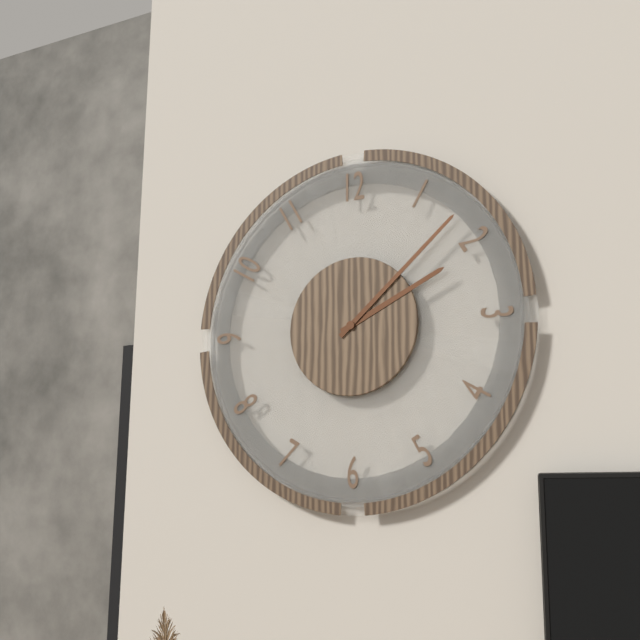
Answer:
2 h 08 min
